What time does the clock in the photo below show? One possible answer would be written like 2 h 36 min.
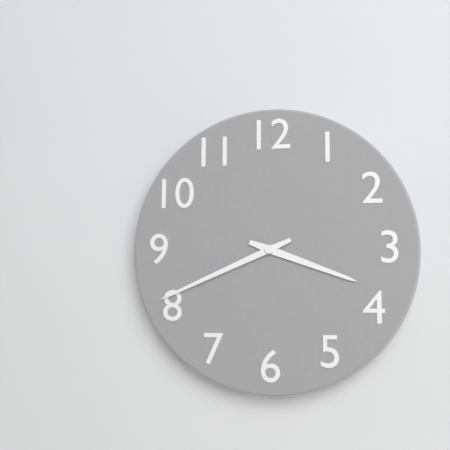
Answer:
3 h 41 min
